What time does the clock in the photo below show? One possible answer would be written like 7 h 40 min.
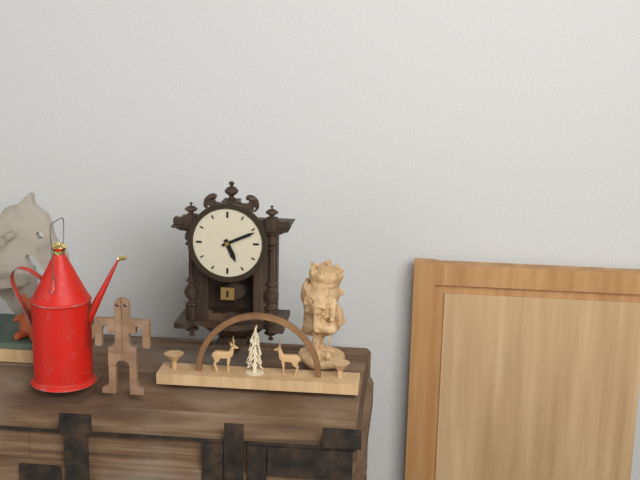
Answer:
5 h 11 min
